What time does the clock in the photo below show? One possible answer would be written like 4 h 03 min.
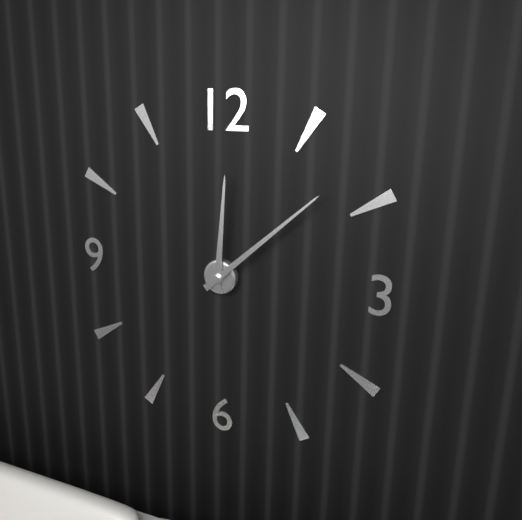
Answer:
12 h 08 min
